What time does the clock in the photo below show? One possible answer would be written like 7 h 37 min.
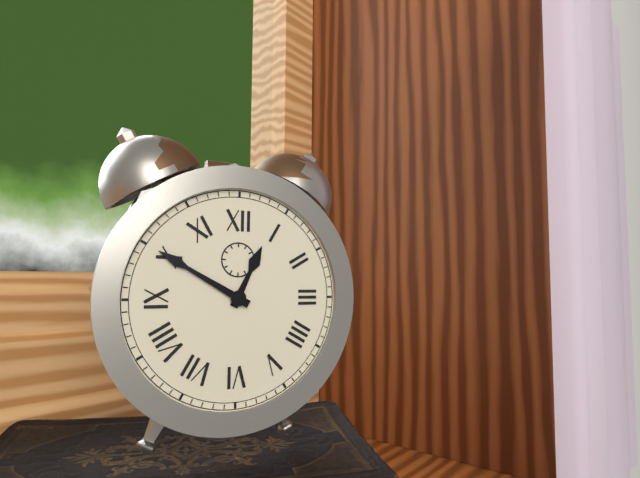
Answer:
12 h 50 min
